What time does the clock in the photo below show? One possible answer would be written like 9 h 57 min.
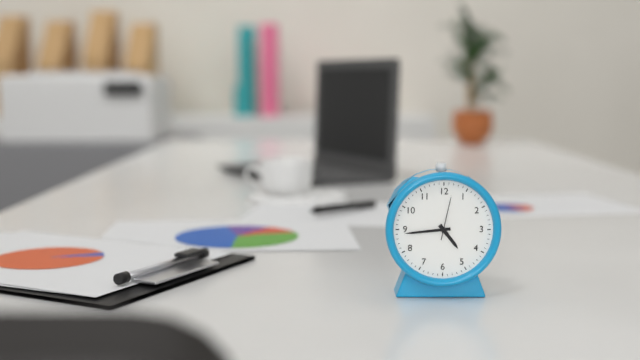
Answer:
4 h 44 min
